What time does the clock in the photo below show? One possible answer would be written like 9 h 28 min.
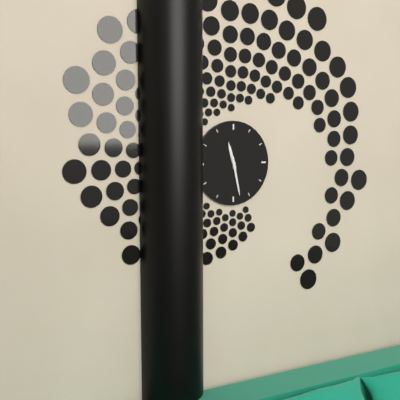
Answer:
11 h 28 min
